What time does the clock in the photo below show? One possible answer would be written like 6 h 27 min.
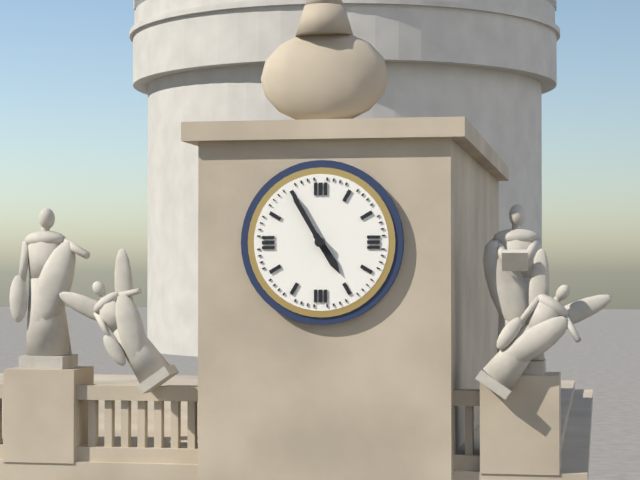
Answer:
4 h 55 min
